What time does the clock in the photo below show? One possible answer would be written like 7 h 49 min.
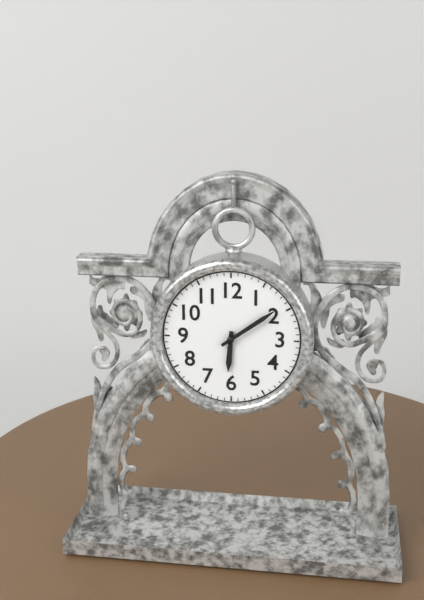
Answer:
6 h 09 min
